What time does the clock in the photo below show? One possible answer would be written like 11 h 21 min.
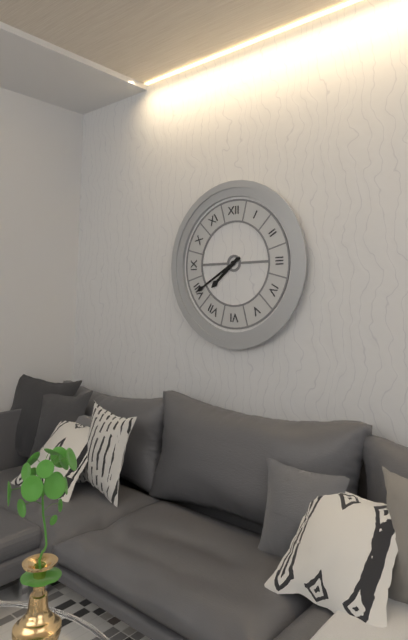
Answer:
7 h 40 min
